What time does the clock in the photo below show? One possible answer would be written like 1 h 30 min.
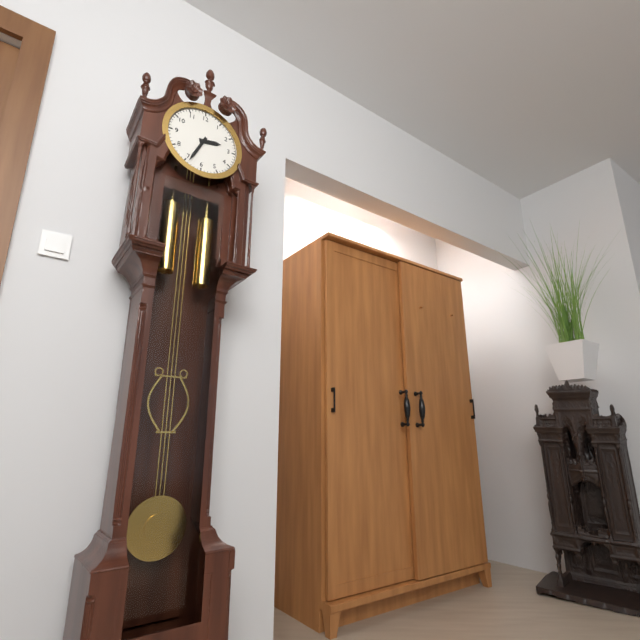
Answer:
2 h 34 min
